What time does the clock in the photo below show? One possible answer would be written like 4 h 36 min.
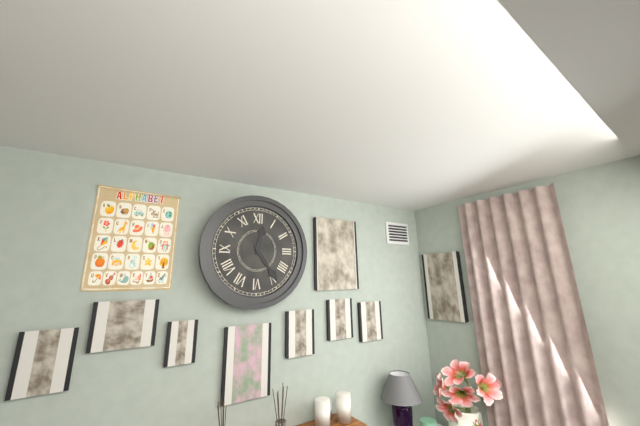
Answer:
12 h 24 min
